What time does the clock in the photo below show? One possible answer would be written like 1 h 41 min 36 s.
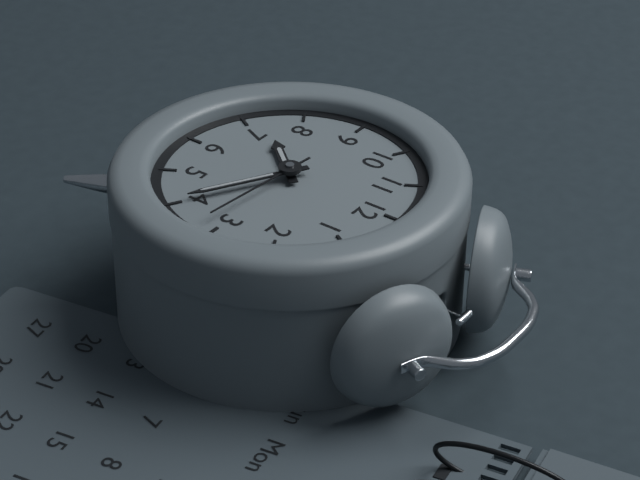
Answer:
7 h 20 min 16 s
